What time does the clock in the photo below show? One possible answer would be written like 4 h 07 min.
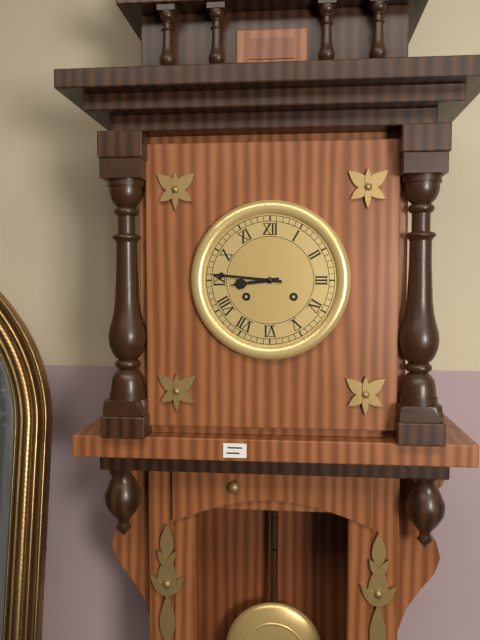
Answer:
8 h 46 min
